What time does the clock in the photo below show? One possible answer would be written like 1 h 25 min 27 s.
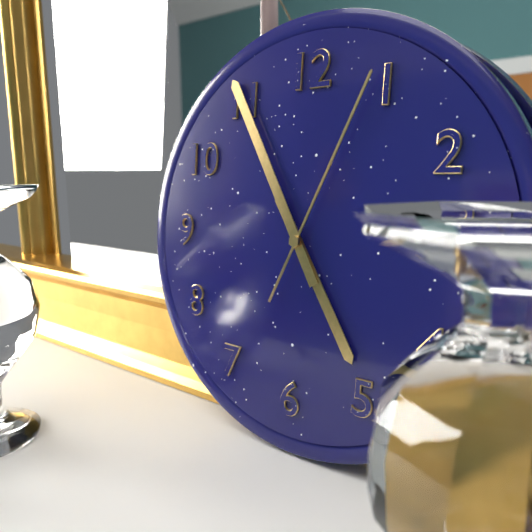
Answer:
4 h 55 min 04 s
